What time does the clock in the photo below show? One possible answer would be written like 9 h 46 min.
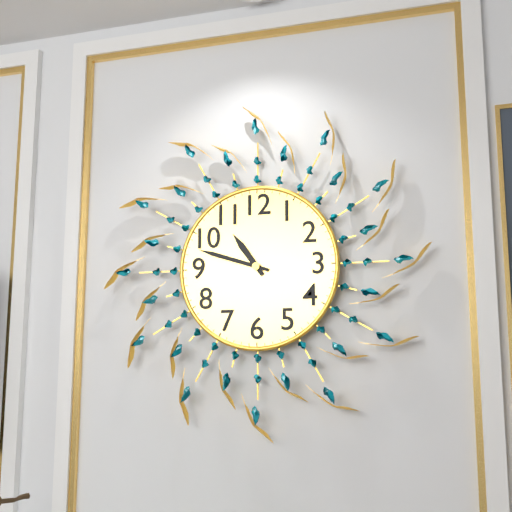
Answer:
10 h 48 min
